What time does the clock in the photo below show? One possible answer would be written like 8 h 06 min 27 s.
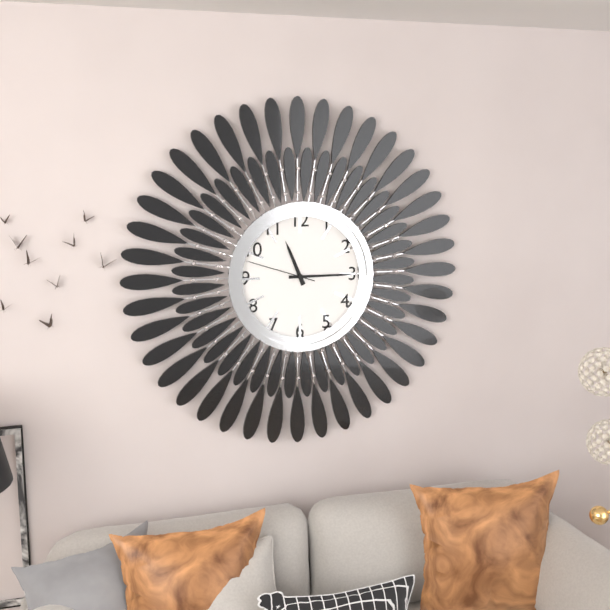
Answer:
11 h 15 min 48 s
